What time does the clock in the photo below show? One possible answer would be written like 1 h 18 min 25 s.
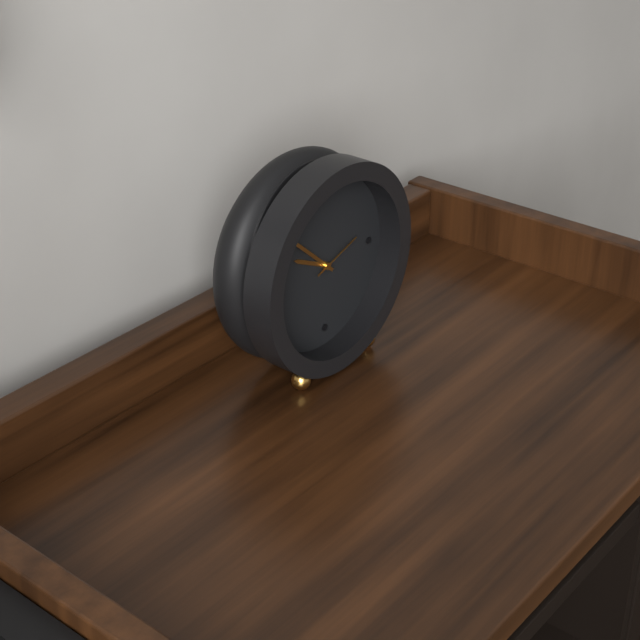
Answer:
9 h 52 min 12 s
